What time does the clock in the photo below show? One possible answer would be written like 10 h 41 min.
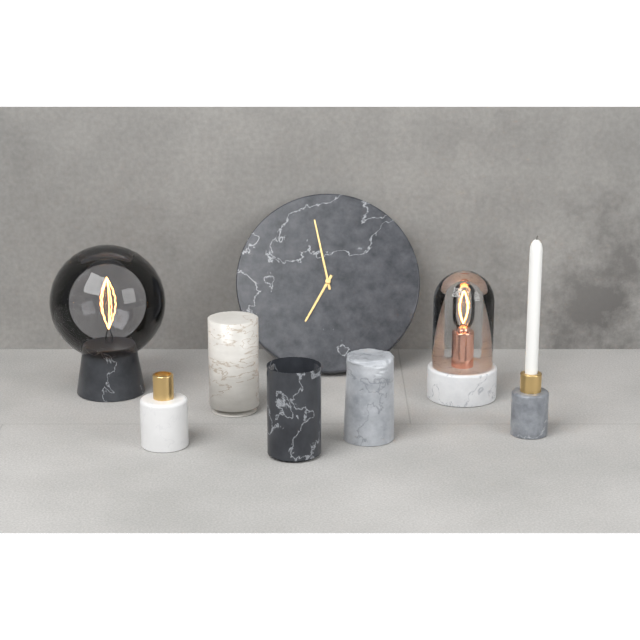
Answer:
6 h 58 min
